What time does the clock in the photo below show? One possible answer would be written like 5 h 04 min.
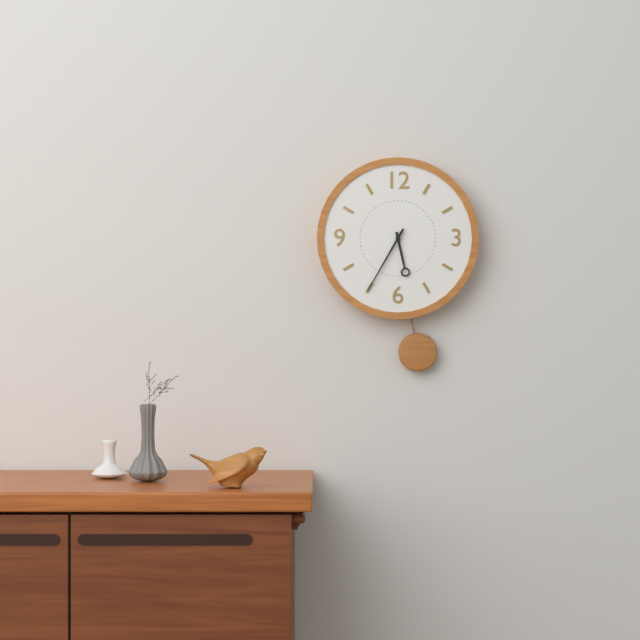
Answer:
5 h 35 min
